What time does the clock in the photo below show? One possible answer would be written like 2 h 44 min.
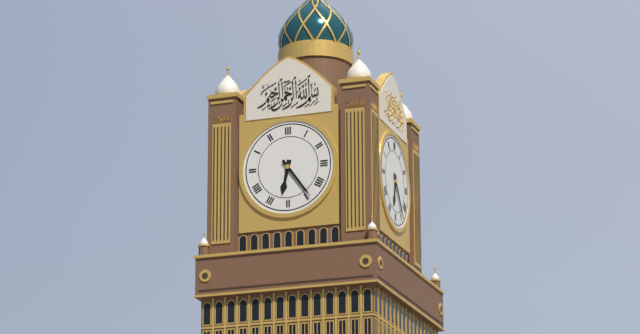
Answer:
6 h 24 min
